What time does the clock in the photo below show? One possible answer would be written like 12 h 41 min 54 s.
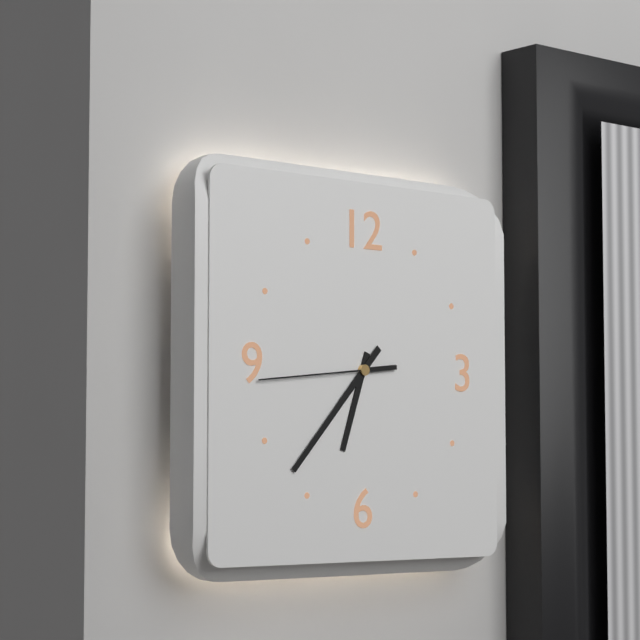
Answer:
6 h 37 min 44 s
